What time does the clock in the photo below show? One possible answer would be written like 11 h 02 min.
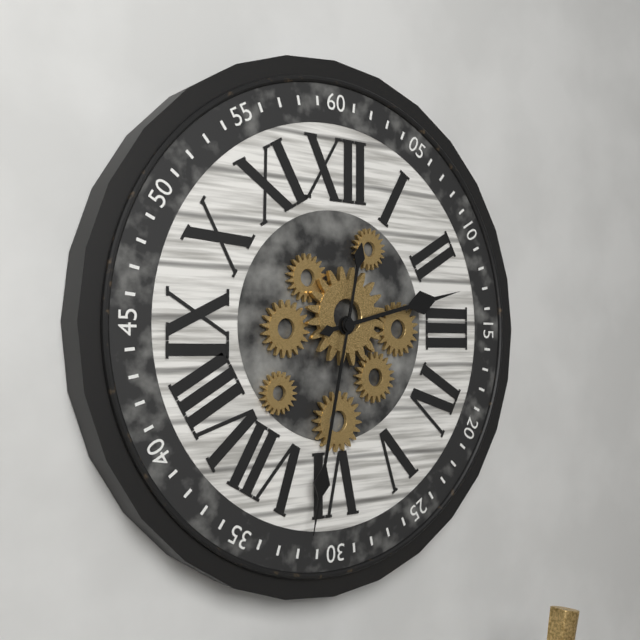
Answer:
2 h 32 min
